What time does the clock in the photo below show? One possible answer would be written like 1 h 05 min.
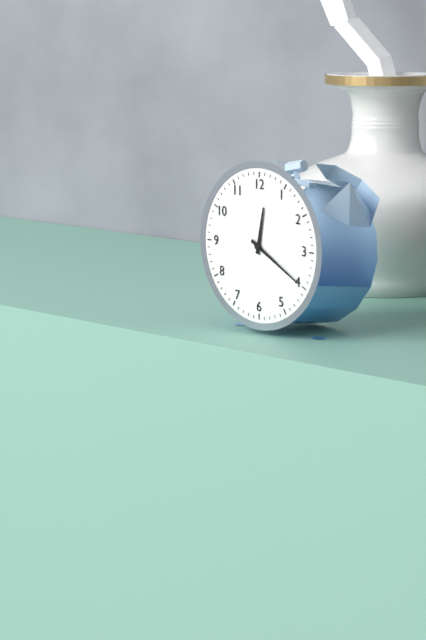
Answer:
12 h 20 min
